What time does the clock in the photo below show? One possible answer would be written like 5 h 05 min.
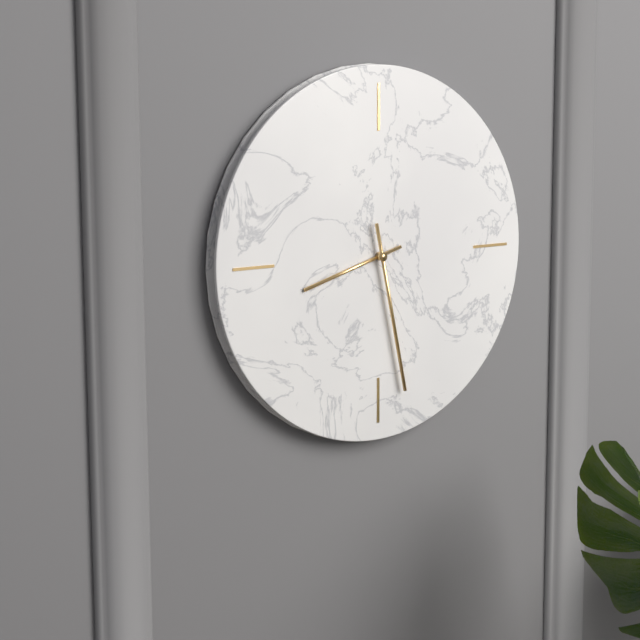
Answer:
8 h 28 min
